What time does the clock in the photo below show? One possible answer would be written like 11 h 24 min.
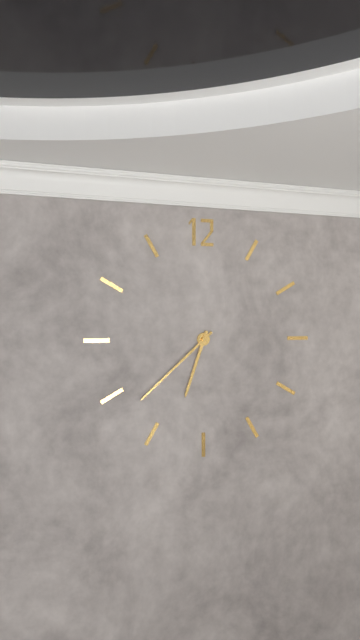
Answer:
6 h 38 min
